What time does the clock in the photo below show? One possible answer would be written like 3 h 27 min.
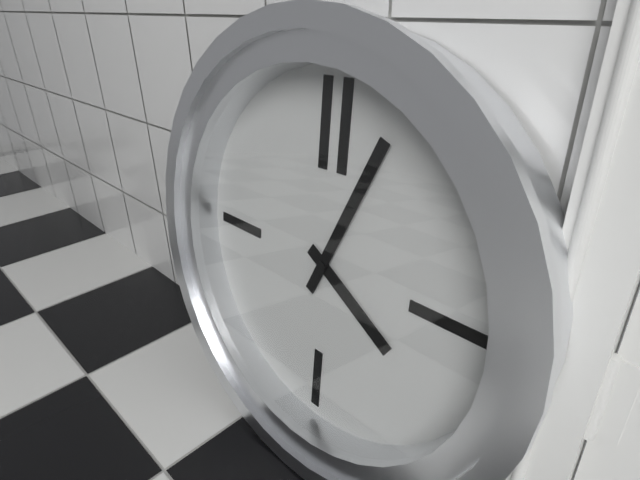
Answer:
4 h 04 min
